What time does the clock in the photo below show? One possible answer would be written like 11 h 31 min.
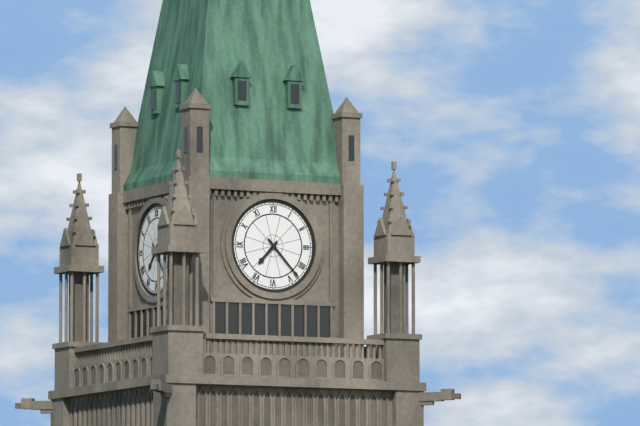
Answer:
7 h 23 min
